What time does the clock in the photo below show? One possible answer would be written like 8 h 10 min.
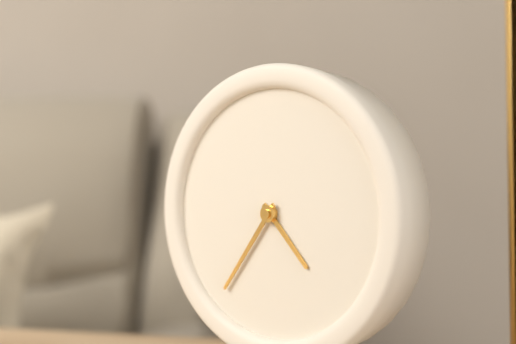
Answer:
4 h 36 min
